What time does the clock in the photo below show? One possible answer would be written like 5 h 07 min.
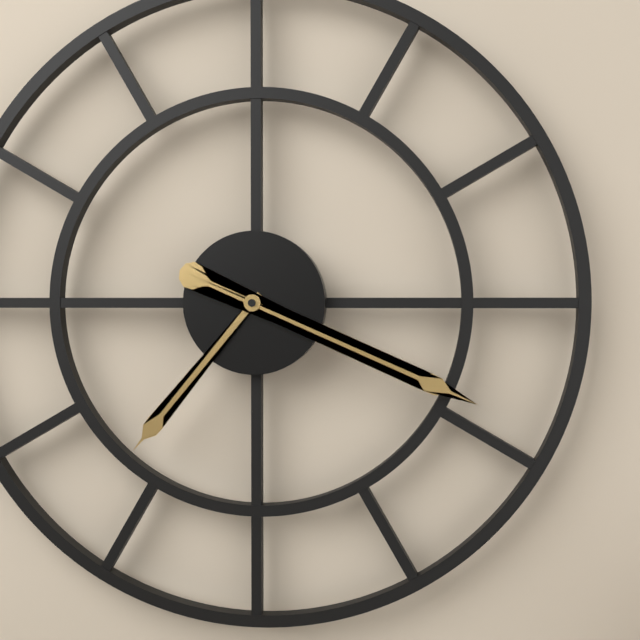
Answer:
7 h 19 min
